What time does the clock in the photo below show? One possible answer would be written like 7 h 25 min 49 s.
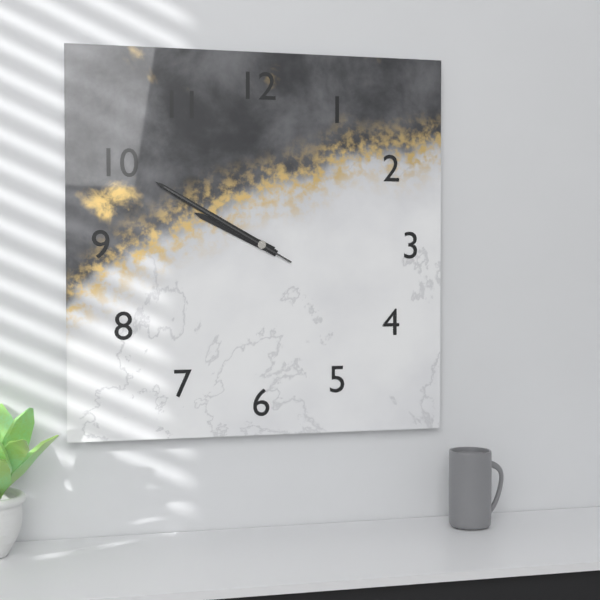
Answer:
9 h 50 min 50 s
